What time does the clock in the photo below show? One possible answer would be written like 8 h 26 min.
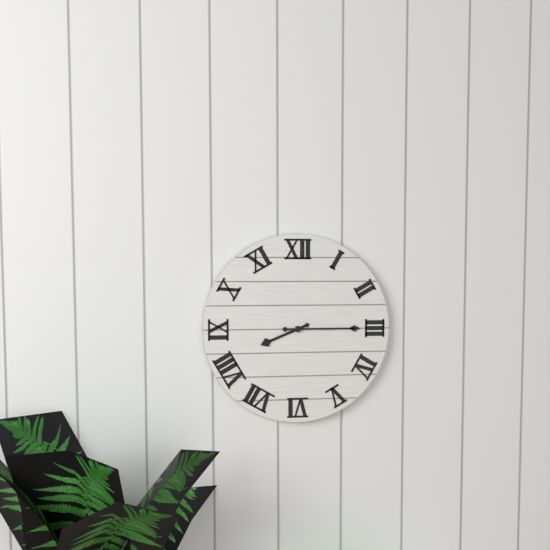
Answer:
8 h 15 min
